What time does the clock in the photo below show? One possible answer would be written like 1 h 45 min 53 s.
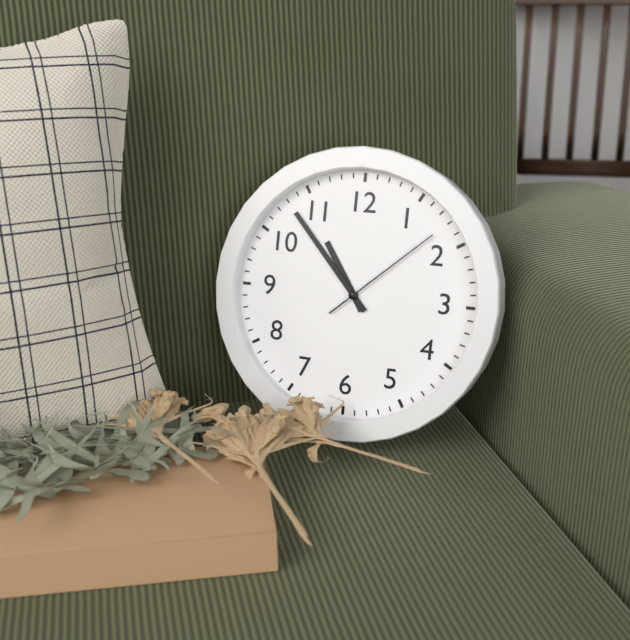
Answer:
10 h 53 min 08 s
